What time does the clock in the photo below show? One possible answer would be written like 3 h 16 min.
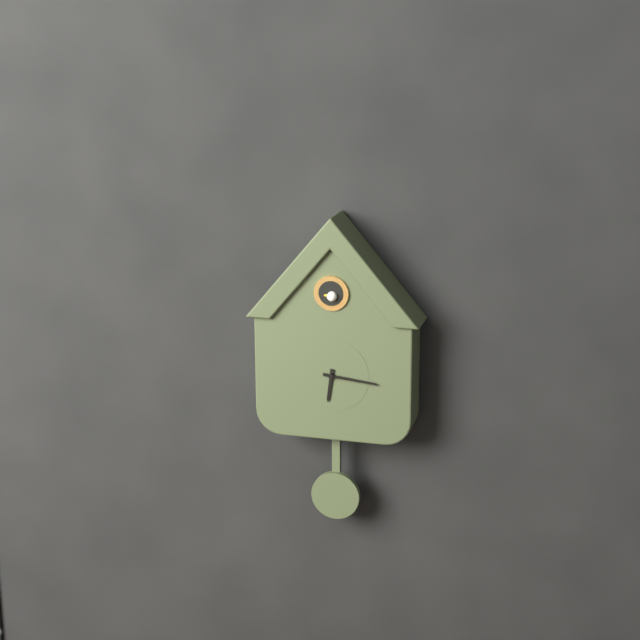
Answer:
6 h 16 min
